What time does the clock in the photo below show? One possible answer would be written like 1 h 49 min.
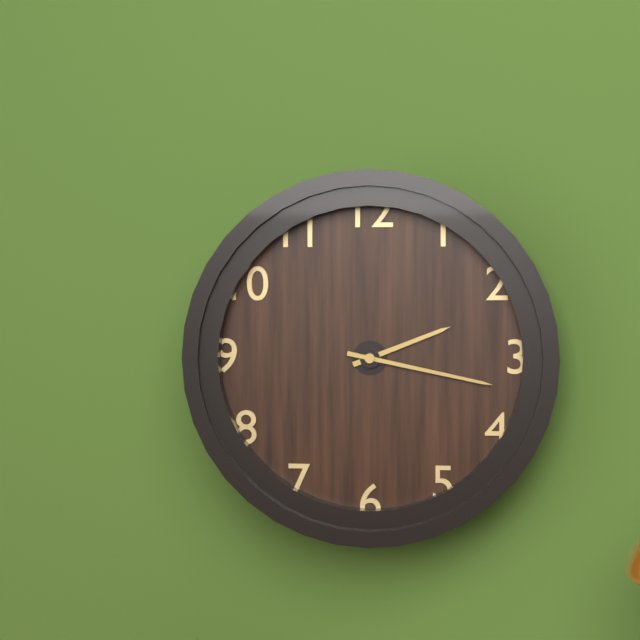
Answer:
2 h 17 min
